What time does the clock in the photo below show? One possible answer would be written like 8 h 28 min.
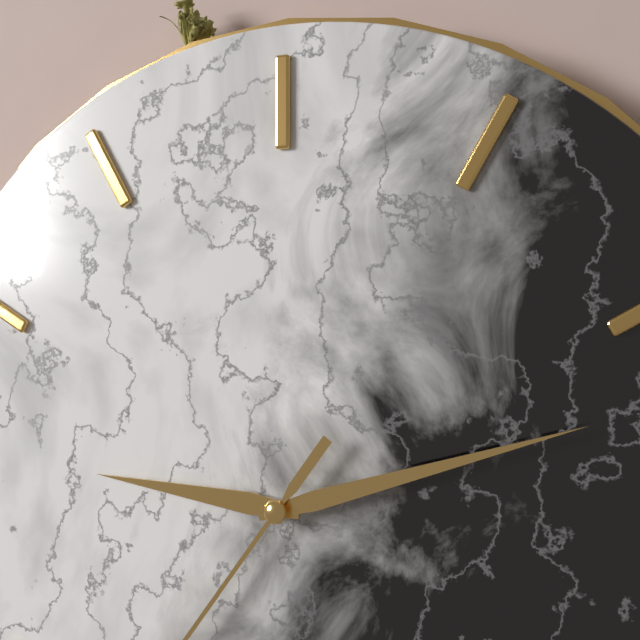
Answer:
9 h 12 min
